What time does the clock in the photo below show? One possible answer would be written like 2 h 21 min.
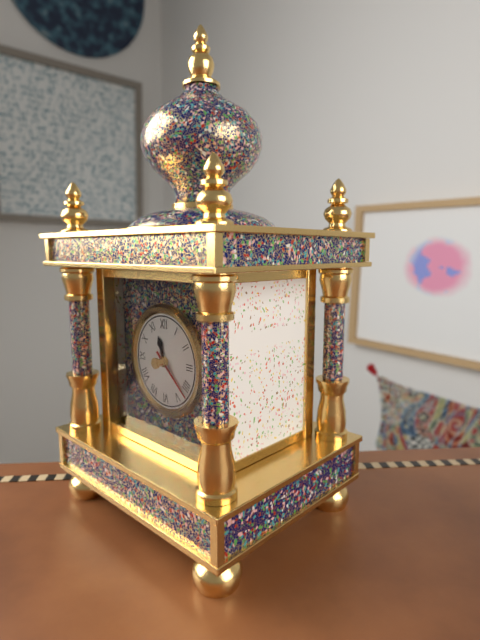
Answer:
11 h 22 min
